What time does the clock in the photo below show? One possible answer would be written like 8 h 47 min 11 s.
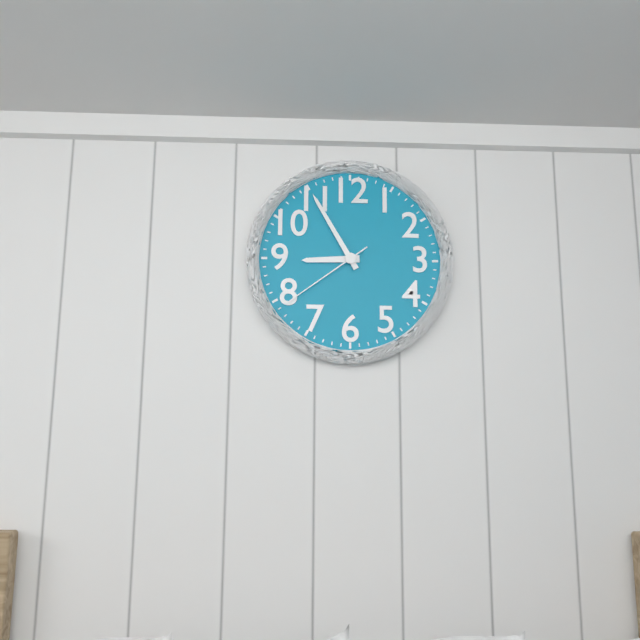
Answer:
8 h 55 min 39 s
